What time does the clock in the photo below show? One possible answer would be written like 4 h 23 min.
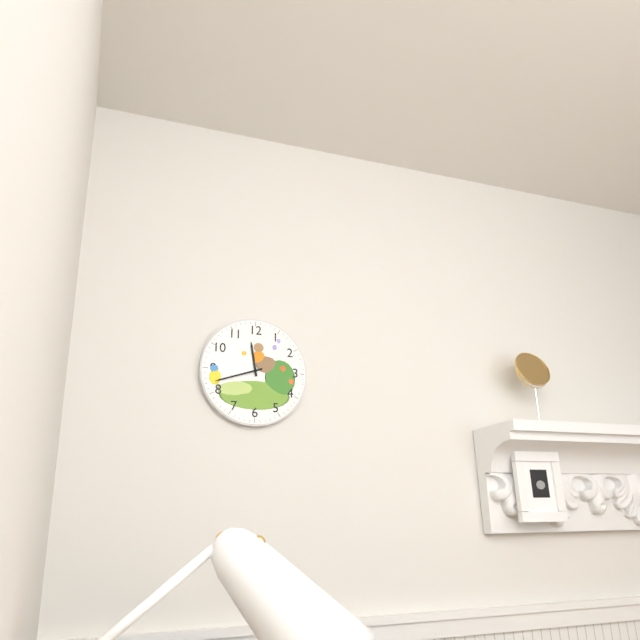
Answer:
11 h 42 min
